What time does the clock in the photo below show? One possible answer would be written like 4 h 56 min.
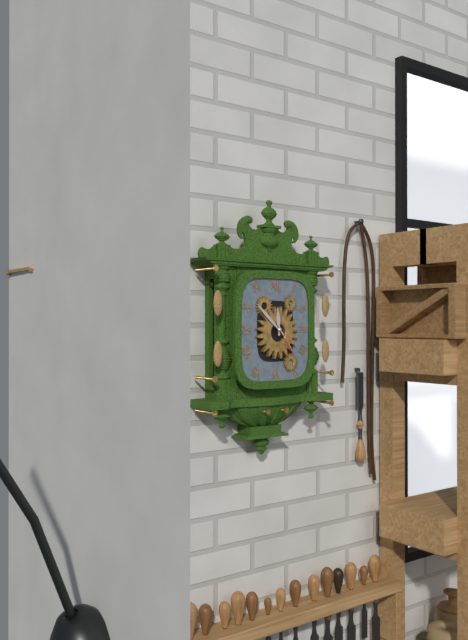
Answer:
11 h 52 min
